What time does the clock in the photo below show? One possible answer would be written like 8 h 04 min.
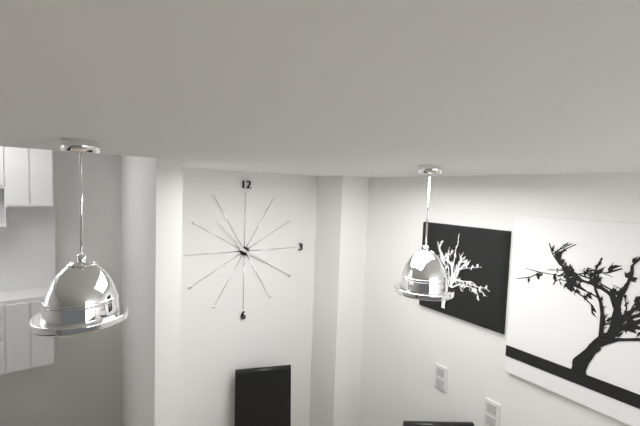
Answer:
3 h 53 min
